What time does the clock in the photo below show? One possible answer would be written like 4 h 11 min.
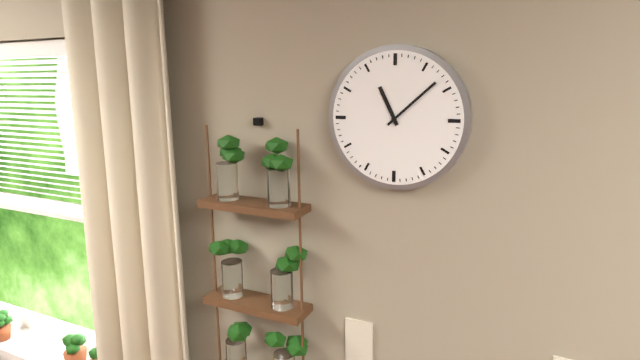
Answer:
11 h 08 min
